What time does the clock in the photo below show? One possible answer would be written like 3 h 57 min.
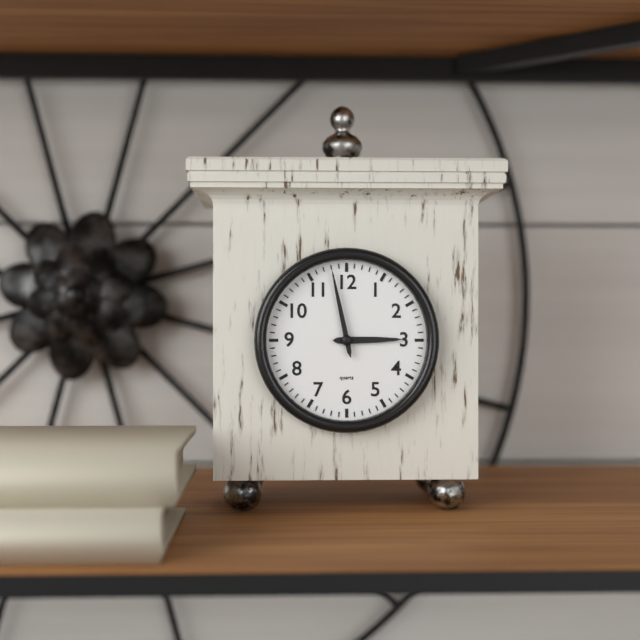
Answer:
2 h 58 min
